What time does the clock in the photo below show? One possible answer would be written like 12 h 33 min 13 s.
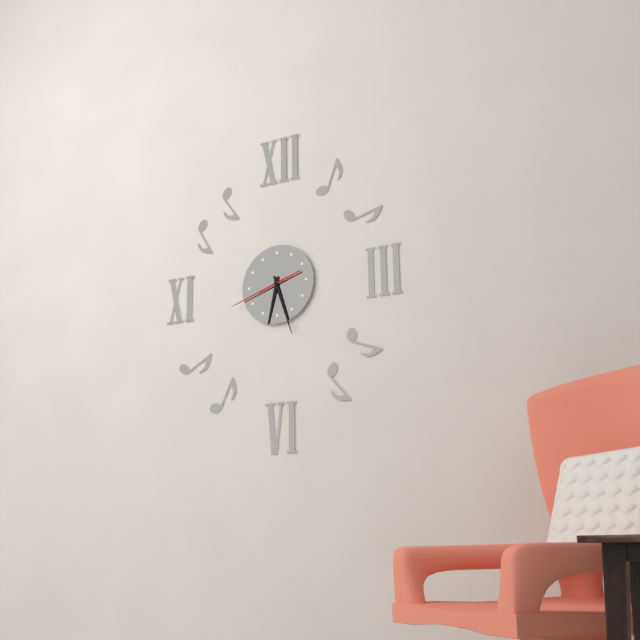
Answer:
6 h 27 min 42 s
